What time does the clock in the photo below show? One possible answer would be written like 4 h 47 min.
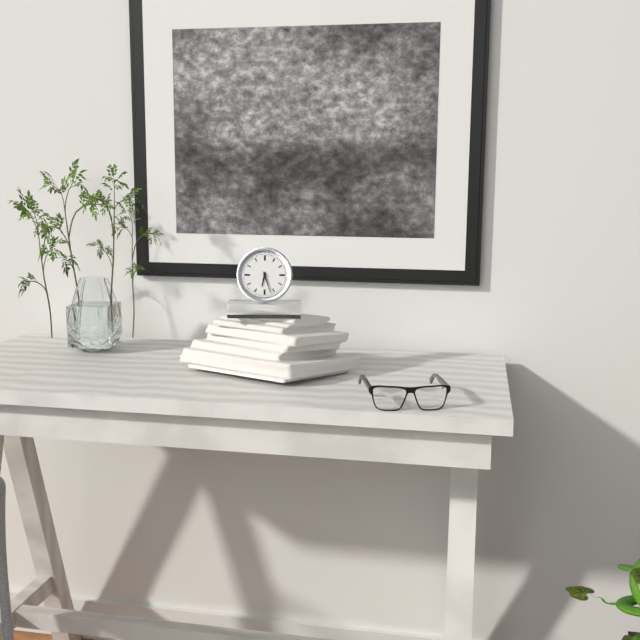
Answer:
6 h 27 min
